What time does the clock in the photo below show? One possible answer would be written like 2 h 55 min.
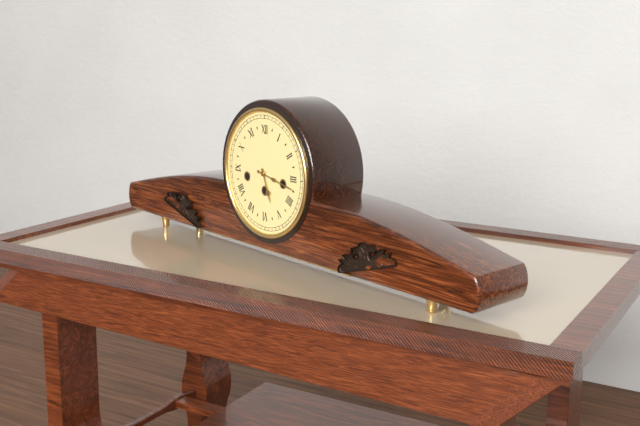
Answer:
5 h 17 min
